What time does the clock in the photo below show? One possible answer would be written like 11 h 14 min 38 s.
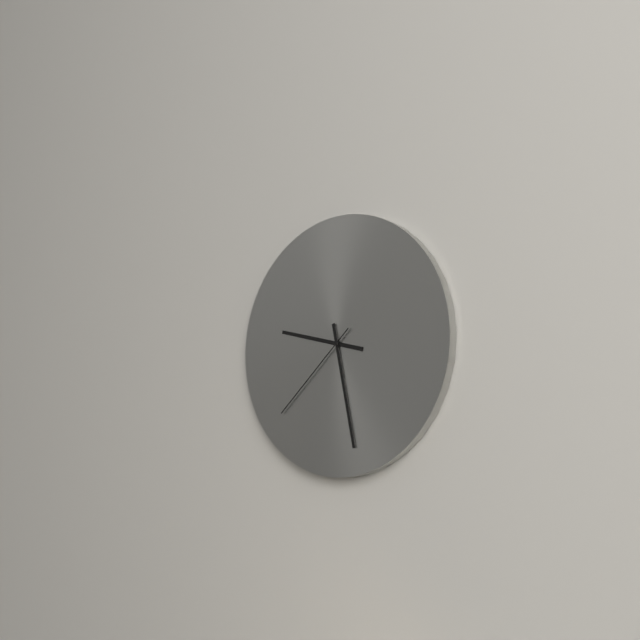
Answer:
9 h 28 min 38 s
